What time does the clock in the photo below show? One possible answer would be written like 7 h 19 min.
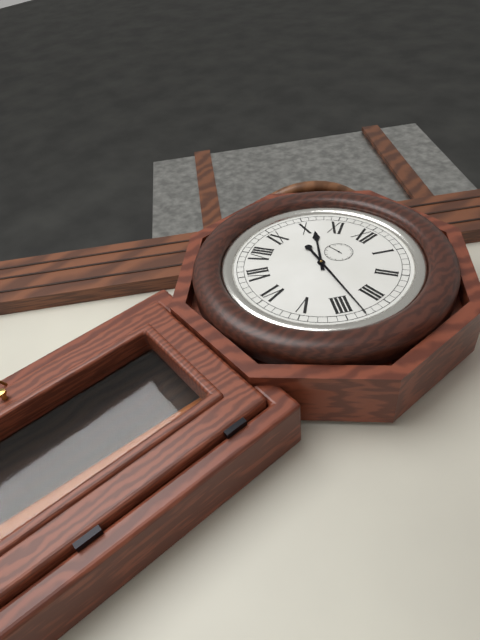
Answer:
10 h 18 min
